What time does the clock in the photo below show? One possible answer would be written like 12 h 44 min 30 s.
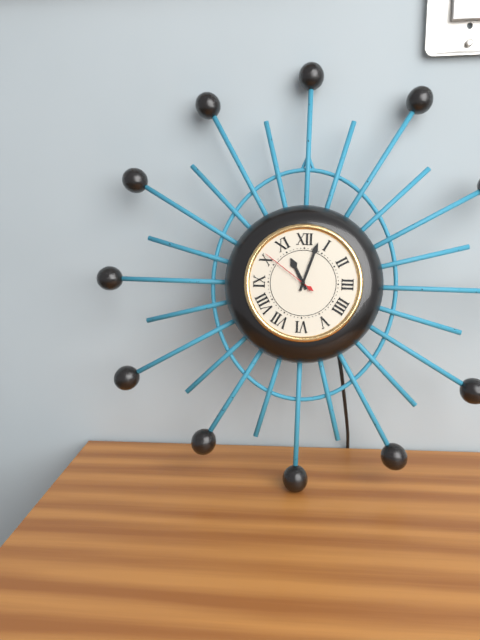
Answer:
11 h 03 min 51 s
